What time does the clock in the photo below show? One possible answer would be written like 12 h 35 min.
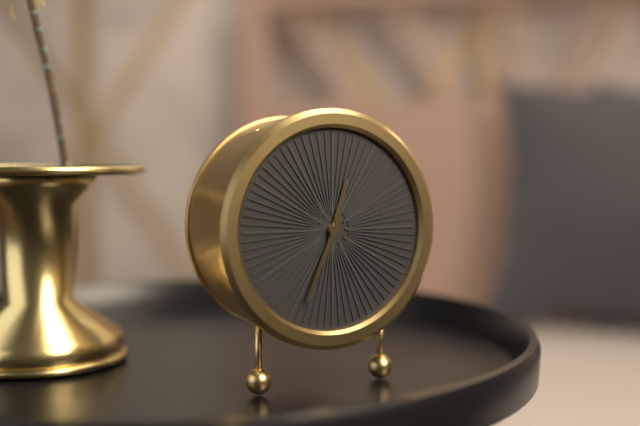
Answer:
12 h 34 min
